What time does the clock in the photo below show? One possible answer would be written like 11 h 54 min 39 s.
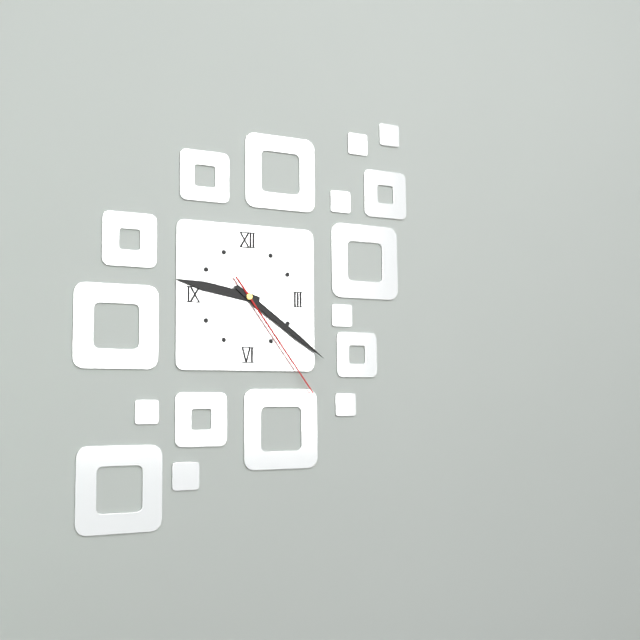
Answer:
9 h 21 min 24 s
